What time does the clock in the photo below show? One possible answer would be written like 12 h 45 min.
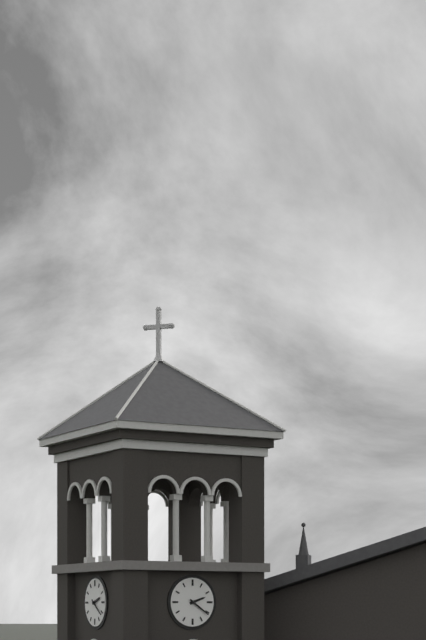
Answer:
2 h 21 min
